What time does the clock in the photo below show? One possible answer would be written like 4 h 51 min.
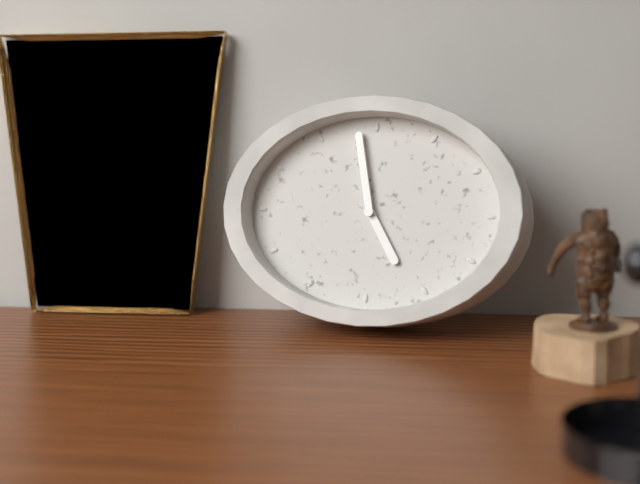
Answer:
4 h 58 min
